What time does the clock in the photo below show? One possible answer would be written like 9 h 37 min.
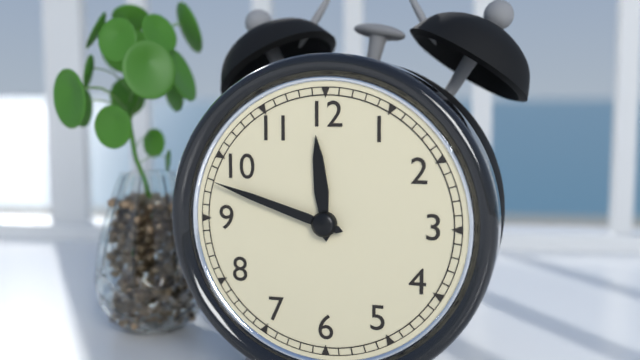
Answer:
11 h 48 min
